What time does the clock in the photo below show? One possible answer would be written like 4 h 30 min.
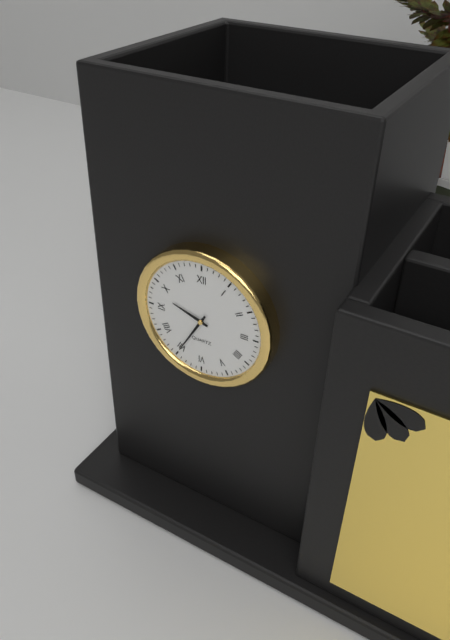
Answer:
9 h 35 min
